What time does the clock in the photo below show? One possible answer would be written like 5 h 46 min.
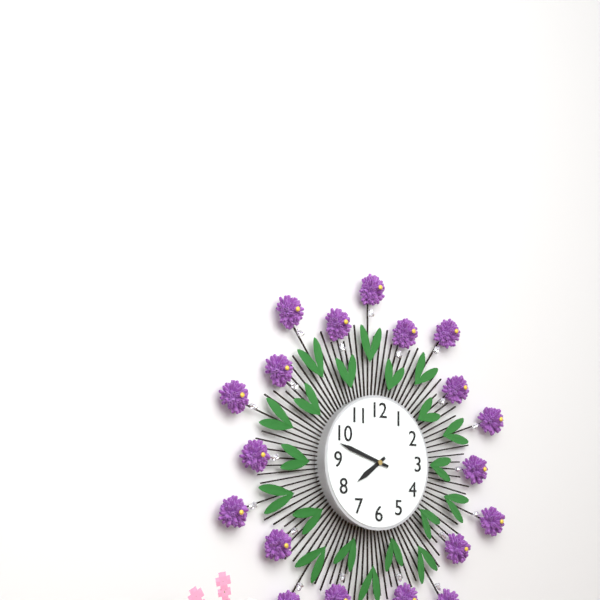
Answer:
7 h 48 min
